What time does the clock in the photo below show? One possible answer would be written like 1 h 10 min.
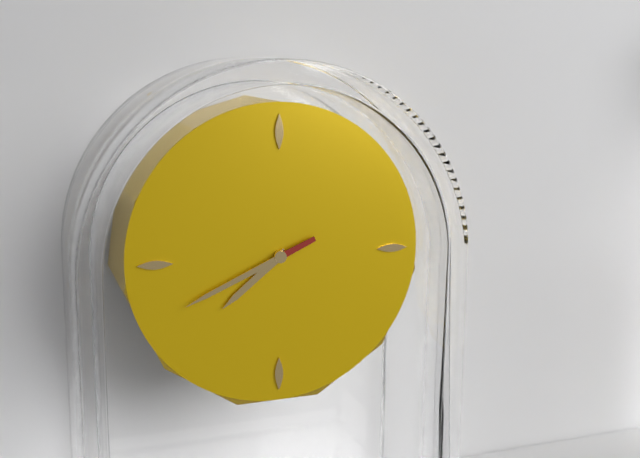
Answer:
7 h 41 min
